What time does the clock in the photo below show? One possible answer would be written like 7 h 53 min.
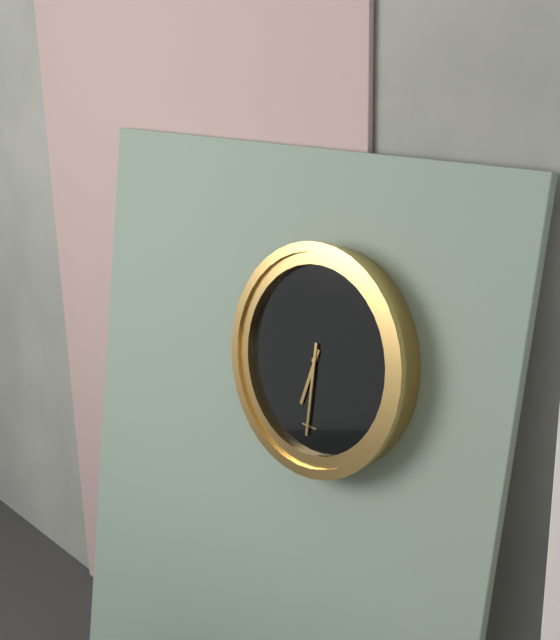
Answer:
6 h 30 min
